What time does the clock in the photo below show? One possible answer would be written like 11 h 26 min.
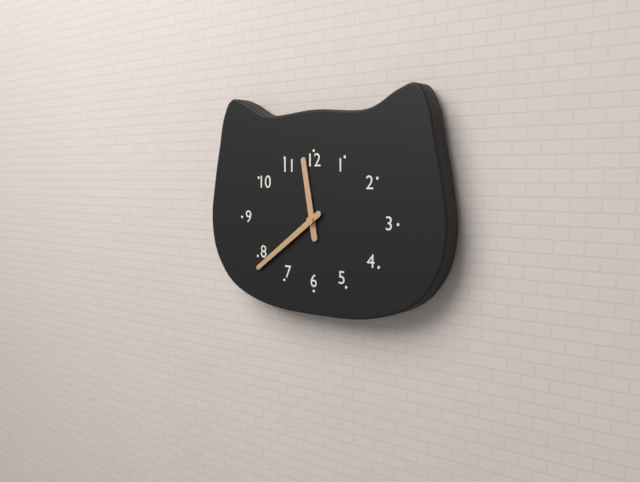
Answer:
11 h 39 min
